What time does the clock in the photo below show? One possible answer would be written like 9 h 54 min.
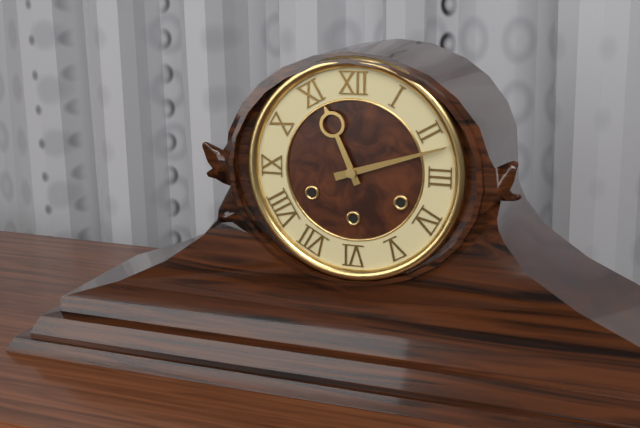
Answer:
11 h 12 min
